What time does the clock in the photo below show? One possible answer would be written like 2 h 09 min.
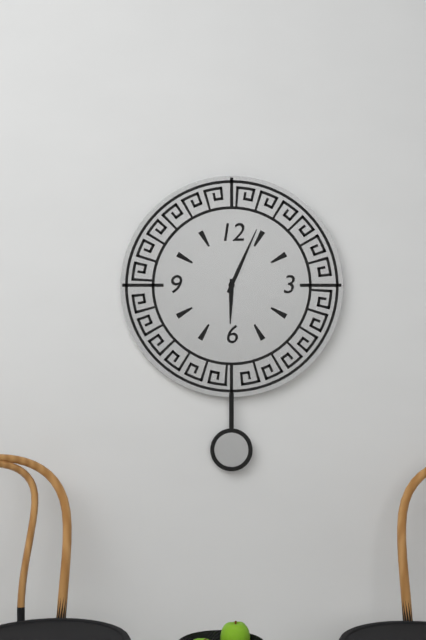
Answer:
6 h 04 min
